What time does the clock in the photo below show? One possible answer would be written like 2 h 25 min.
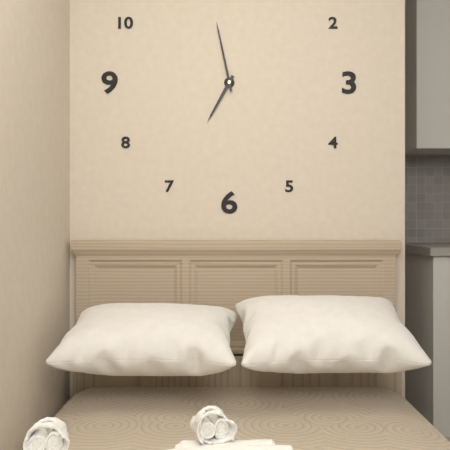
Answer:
6 h 58 min
